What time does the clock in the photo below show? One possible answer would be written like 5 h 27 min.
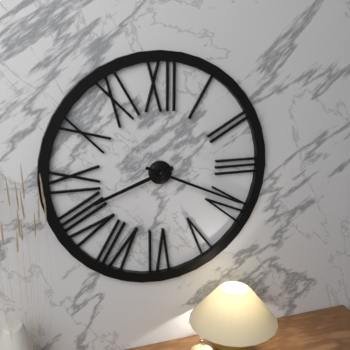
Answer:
8 h 19 min
